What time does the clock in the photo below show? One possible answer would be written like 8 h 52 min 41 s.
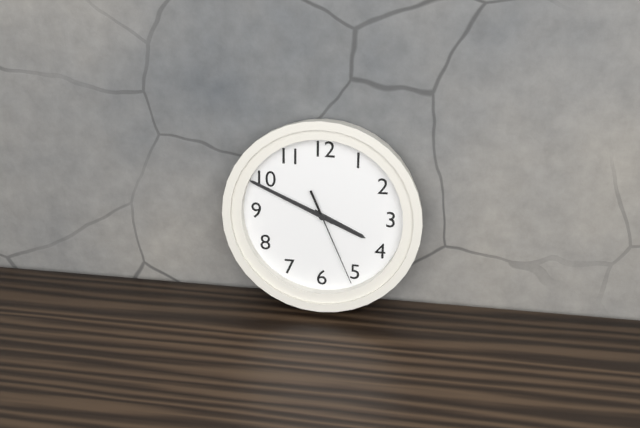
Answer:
3 h 49 min 26 s
